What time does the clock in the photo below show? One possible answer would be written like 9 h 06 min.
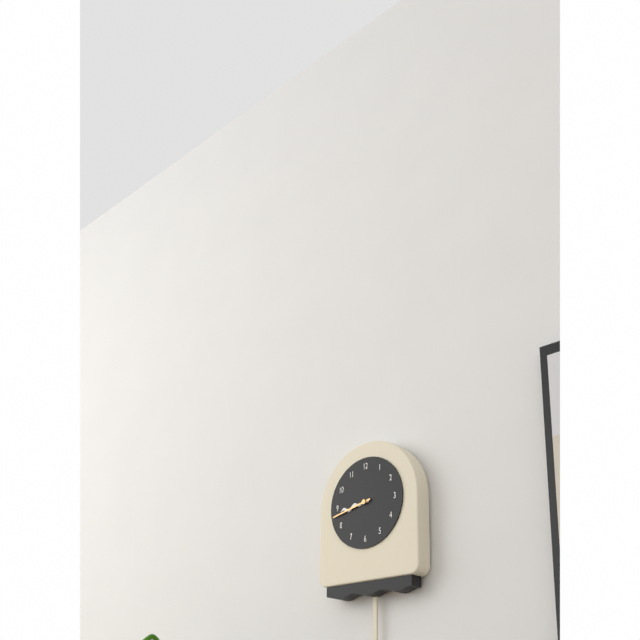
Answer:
8 h 43 min
